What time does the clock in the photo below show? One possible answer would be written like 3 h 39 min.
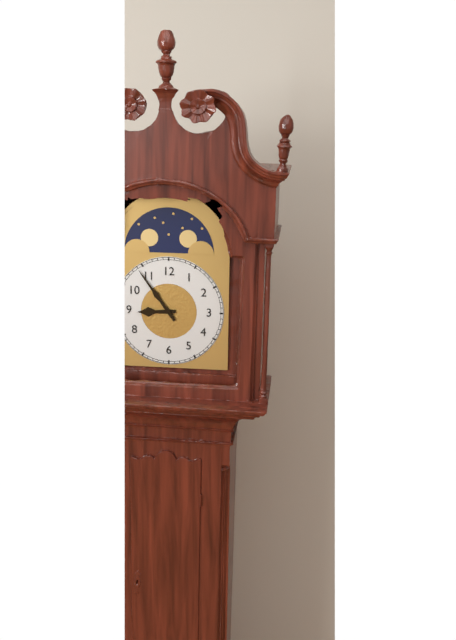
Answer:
8 h 54 min
